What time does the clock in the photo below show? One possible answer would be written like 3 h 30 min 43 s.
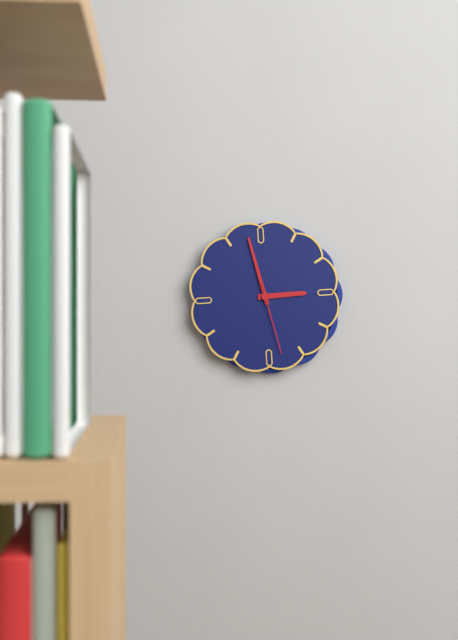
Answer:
2 h 58 min 28 s
